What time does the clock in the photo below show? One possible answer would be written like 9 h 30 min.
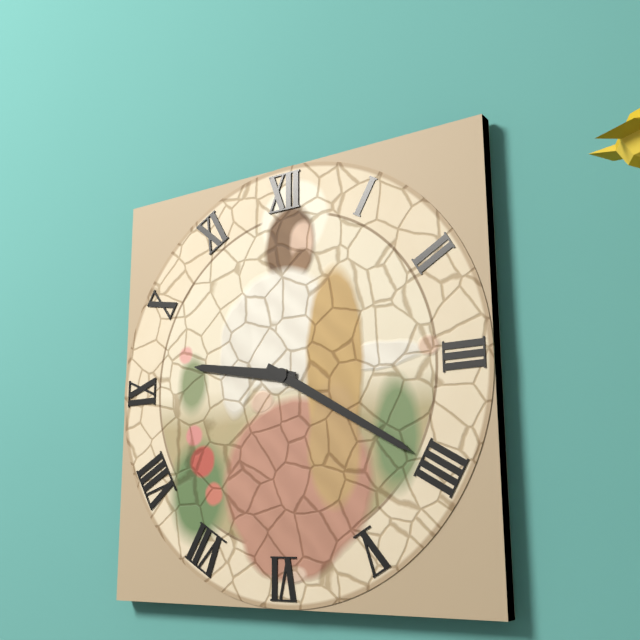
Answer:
9 h 20 min
